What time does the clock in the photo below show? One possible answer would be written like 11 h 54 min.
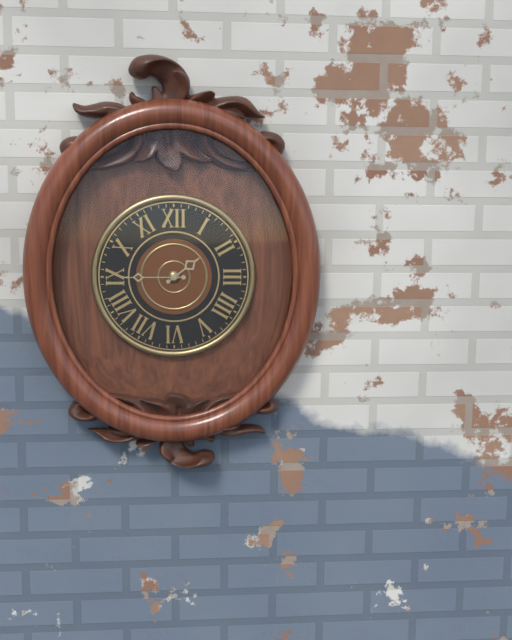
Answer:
1 h 45 min
